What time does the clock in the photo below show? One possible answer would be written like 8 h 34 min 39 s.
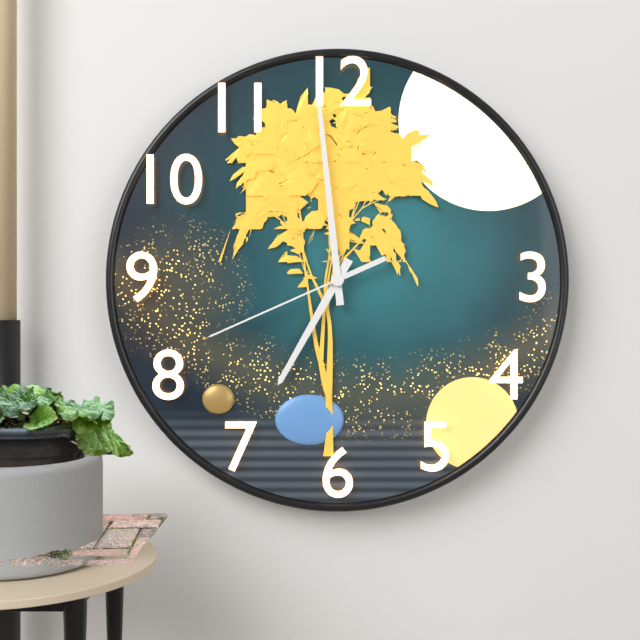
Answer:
6 h 59 min 41 s
